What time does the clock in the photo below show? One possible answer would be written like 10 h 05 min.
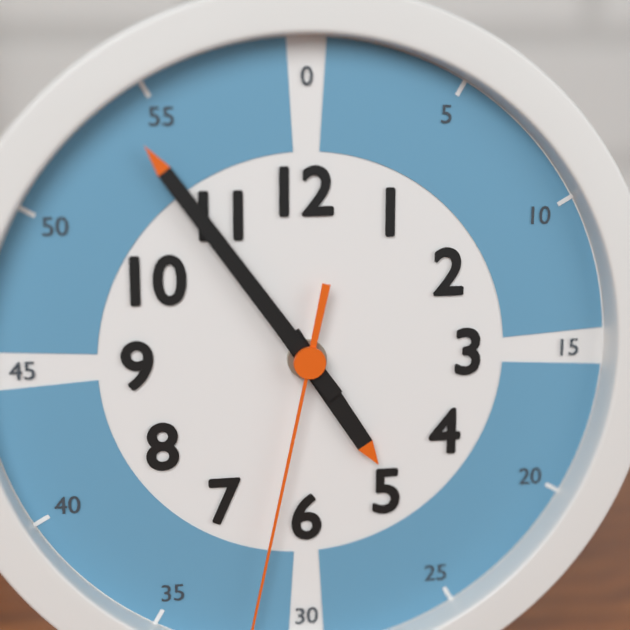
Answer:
4 h 54 min
